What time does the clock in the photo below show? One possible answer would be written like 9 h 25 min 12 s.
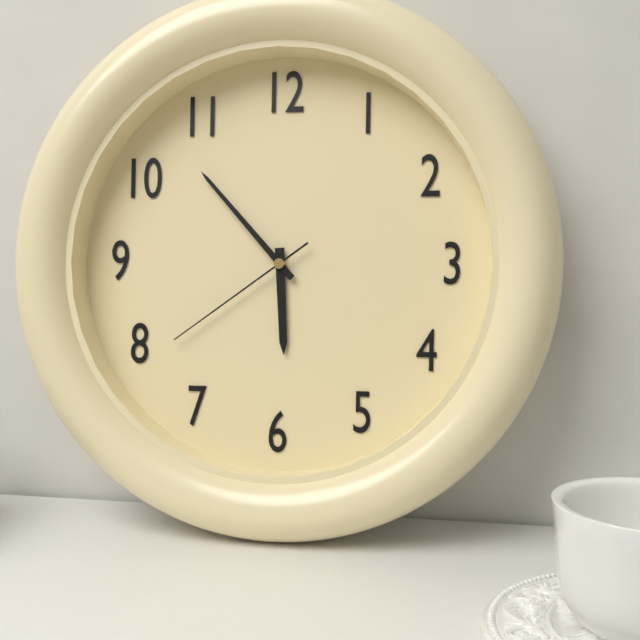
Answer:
5 h 53 min 39 s
